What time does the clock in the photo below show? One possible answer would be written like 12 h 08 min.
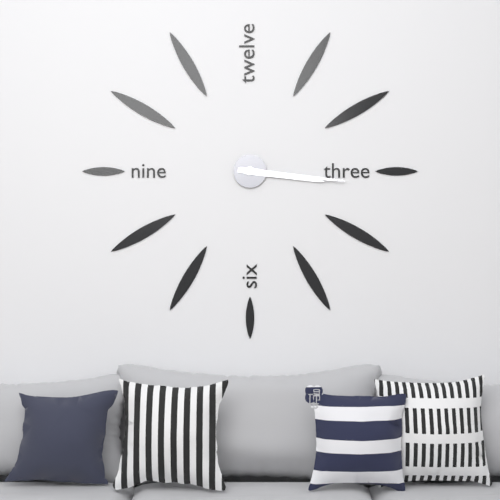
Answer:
3 h 16 min
